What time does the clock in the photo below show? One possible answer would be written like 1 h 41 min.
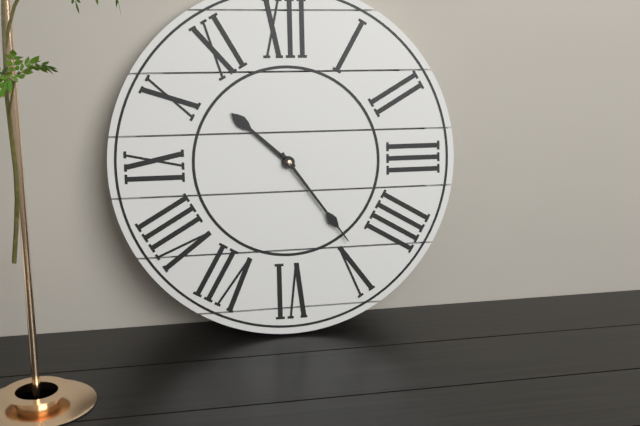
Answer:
10 h 24 min
